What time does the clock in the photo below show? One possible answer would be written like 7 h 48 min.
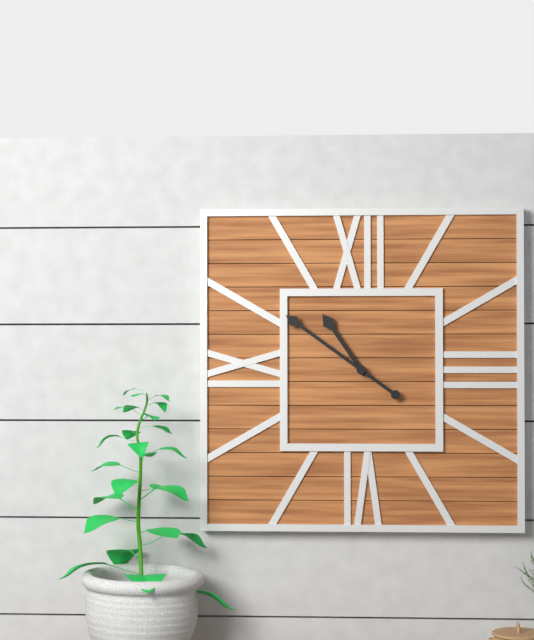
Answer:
10 h 51 min
